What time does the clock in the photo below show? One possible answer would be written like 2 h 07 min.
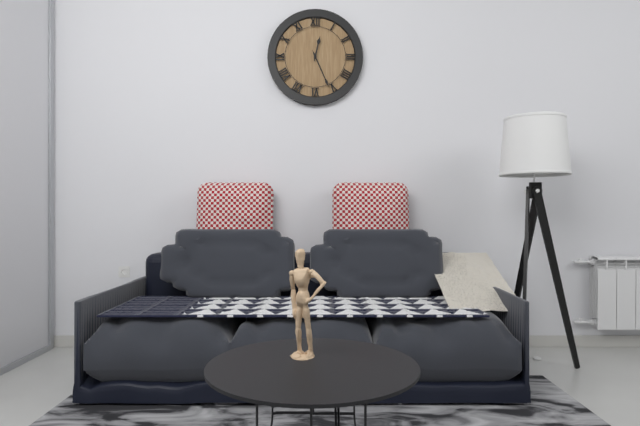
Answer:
12 h 26 min
